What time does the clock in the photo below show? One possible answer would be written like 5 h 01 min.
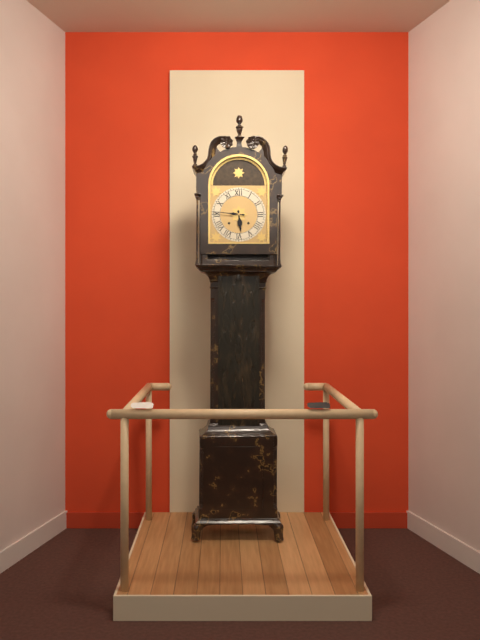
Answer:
5 h 46 min
